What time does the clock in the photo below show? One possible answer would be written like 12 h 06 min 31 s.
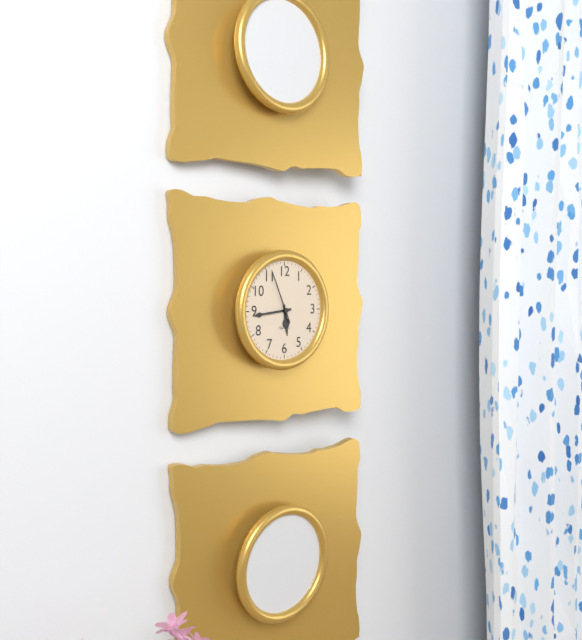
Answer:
5 h 44 min 56 s
